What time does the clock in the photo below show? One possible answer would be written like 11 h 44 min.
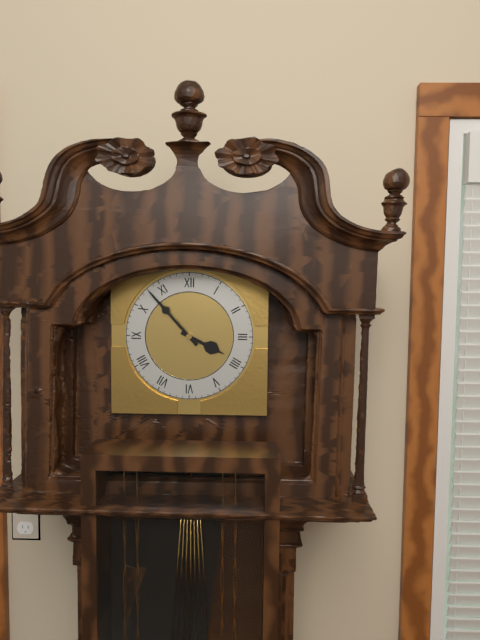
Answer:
3 h 53 min
